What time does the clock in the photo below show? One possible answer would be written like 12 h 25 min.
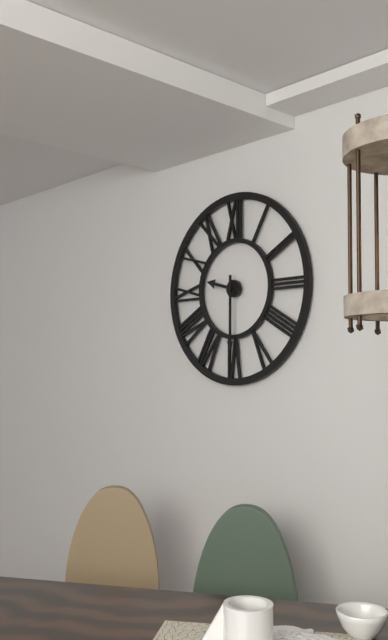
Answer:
9 h 30 min
